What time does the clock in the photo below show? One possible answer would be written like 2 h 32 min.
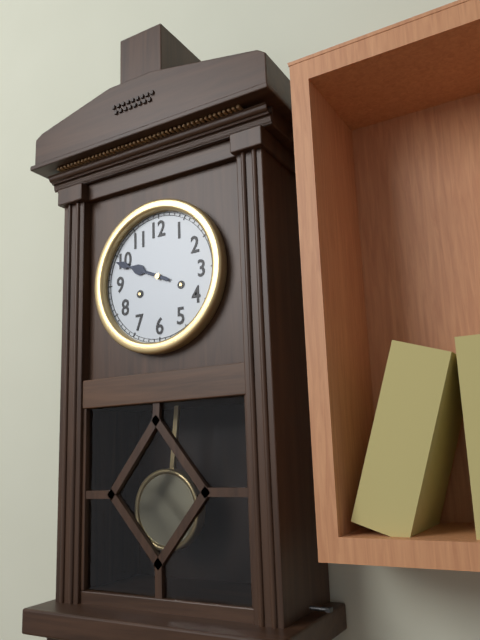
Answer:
9 h 49 min
